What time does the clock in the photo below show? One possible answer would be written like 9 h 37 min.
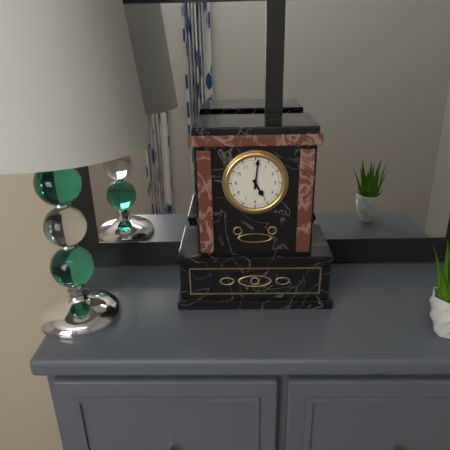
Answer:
5 h 01 min
